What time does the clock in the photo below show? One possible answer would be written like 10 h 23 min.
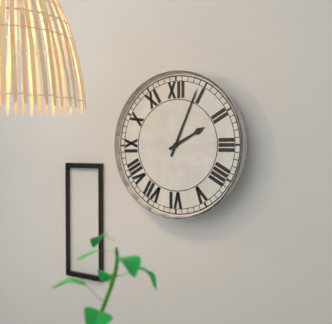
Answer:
2 h 04 min
